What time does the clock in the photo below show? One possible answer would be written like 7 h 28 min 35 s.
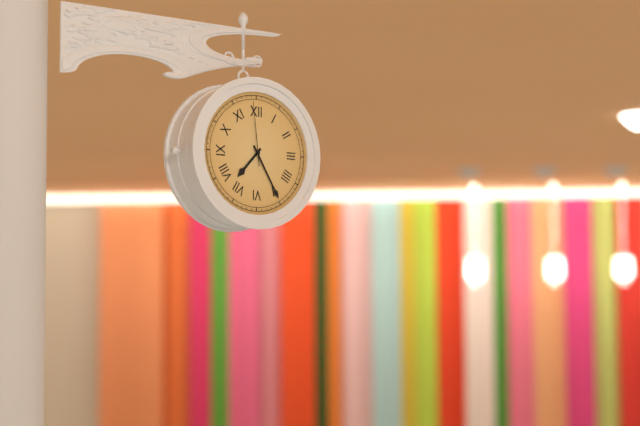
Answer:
7 h 25 min 59 s
